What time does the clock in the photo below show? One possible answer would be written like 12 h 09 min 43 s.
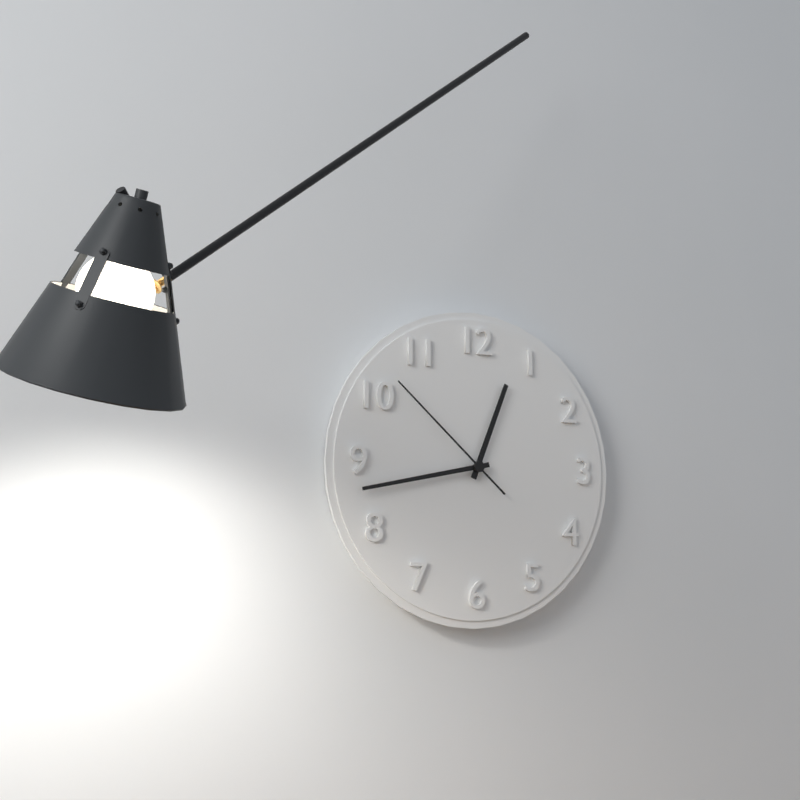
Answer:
12 h 43 min 52 s
